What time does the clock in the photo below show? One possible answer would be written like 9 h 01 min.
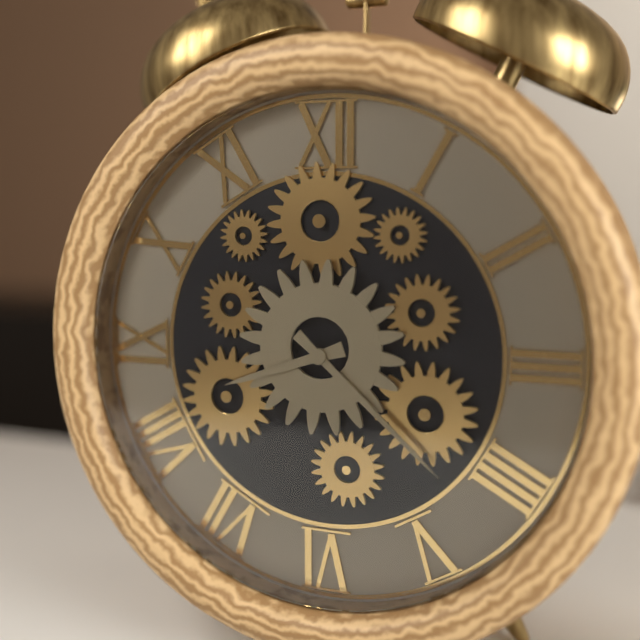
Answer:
8 h 22 min
